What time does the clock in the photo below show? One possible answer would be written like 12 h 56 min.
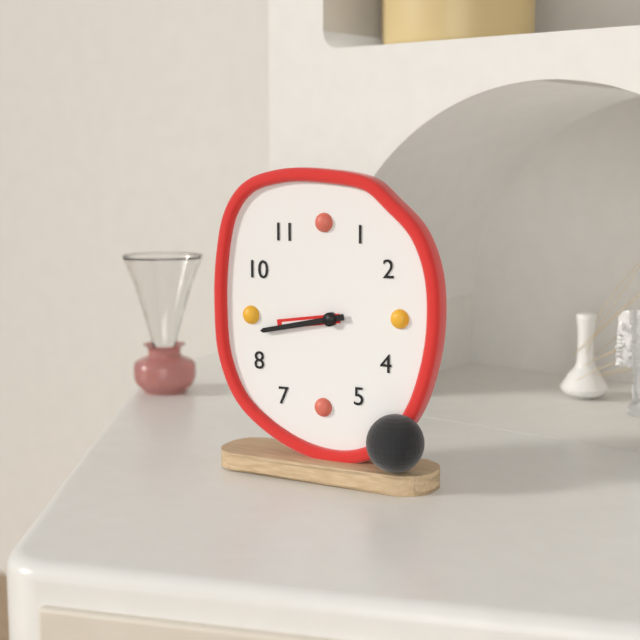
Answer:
8 h 43 min
